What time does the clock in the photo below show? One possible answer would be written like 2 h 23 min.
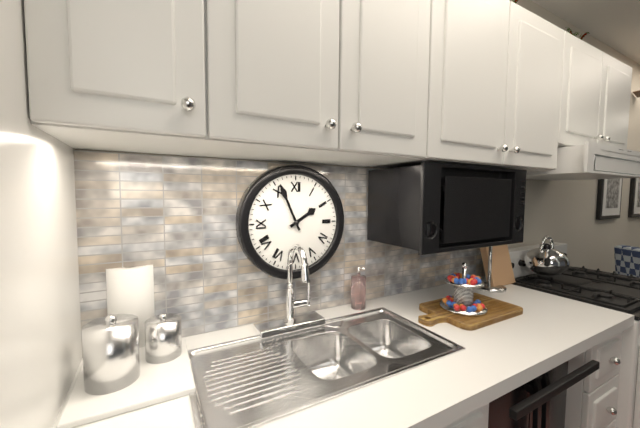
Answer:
1 h 56 min
